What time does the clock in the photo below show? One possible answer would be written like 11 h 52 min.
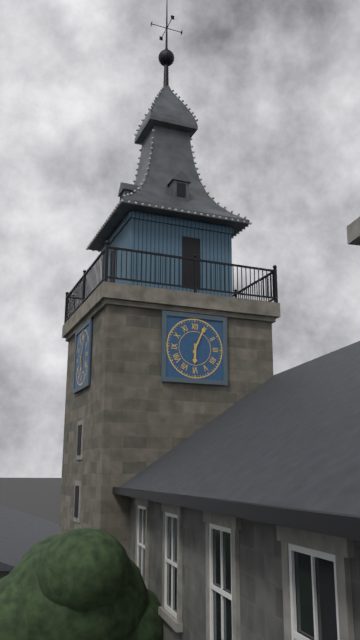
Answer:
6 h 04 min
